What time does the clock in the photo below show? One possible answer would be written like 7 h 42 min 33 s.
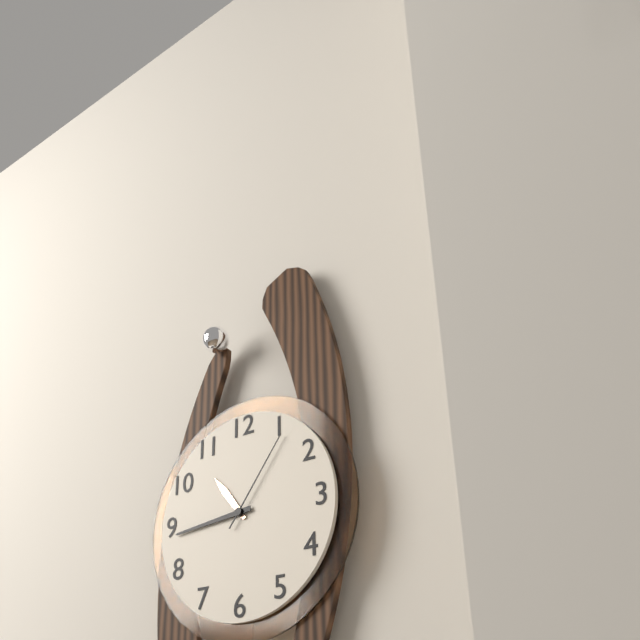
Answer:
10 h 44 min 06 s
